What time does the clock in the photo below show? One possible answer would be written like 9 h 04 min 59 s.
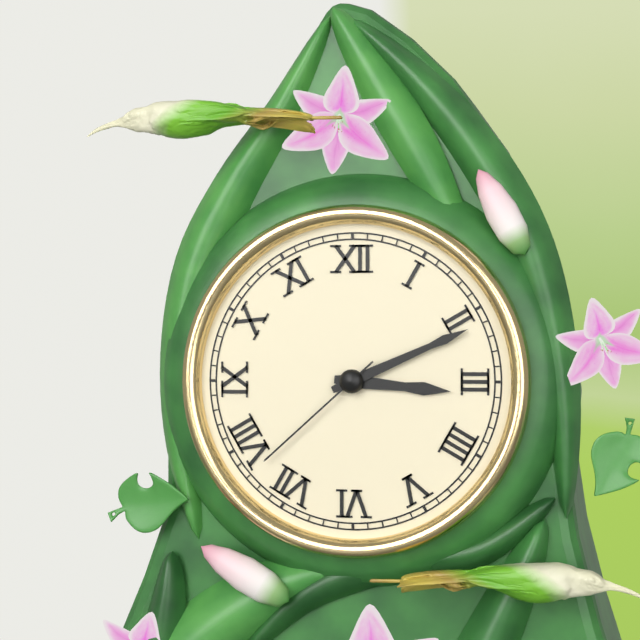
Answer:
3 h 11 min 38 s
